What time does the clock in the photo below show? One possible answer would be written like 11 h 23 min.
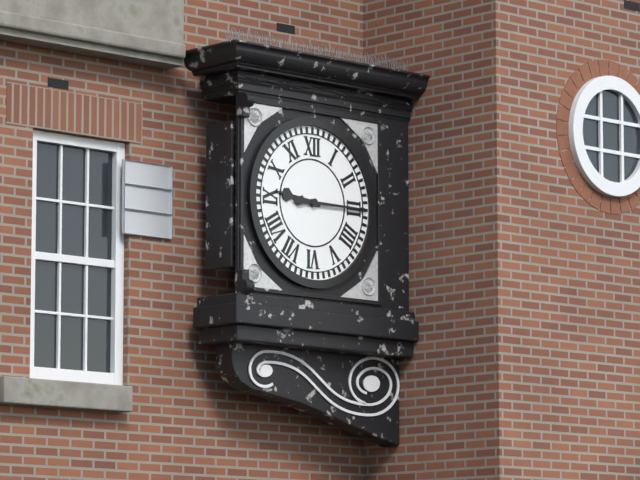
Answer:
9 h 15 min
